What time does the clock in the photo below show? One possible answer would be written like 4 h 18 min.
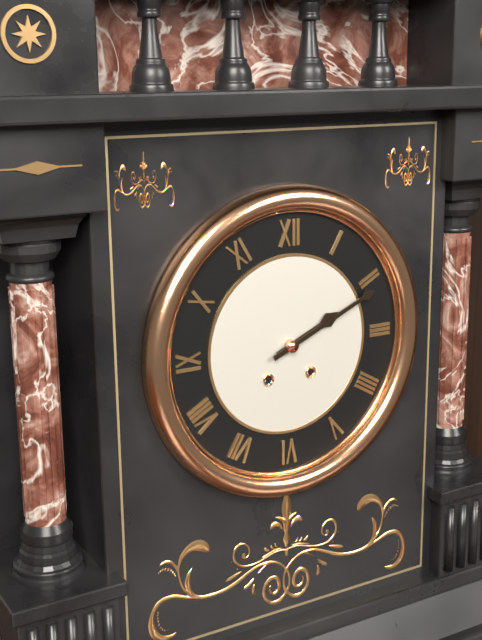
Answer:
2 h 11 min
